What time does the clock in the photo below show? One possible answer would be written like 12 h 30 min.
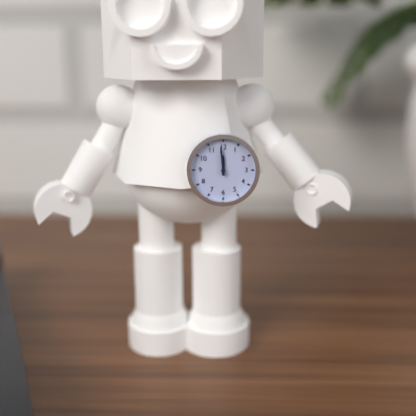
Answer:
11 h 59 min
